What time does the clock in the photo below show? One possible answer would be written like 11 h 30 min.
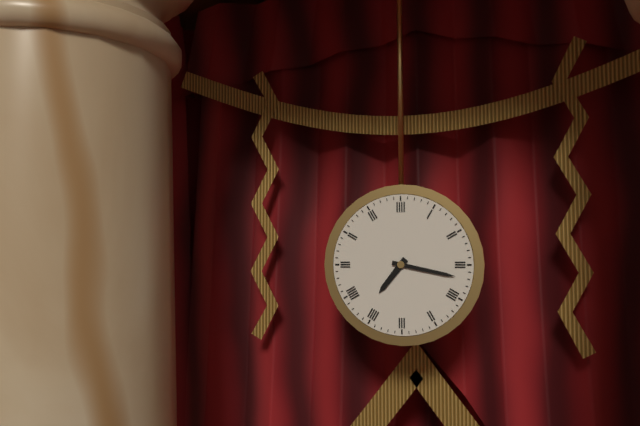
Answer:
7 h 17 min
